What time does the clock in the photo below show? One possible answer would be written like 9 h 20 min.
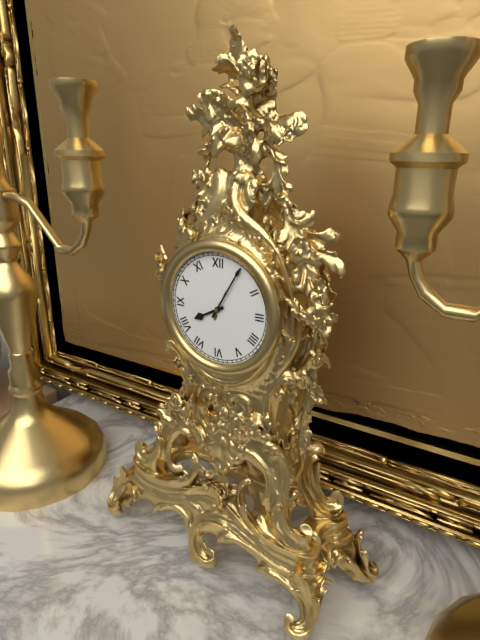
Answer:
8 h 05 min
